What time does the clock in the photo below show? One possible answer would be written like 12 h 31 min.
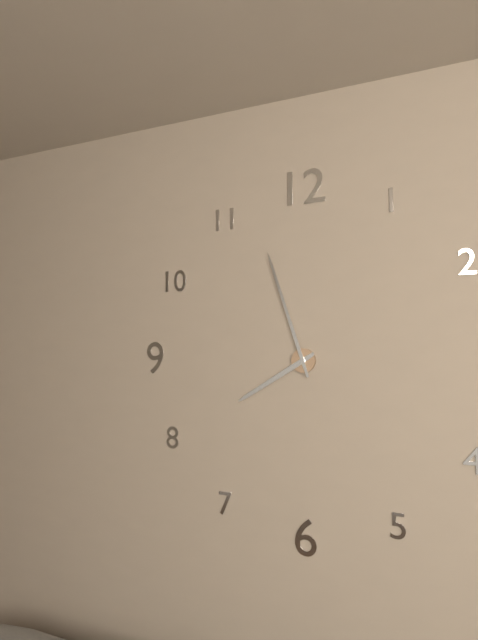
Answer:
7 h 57 min
